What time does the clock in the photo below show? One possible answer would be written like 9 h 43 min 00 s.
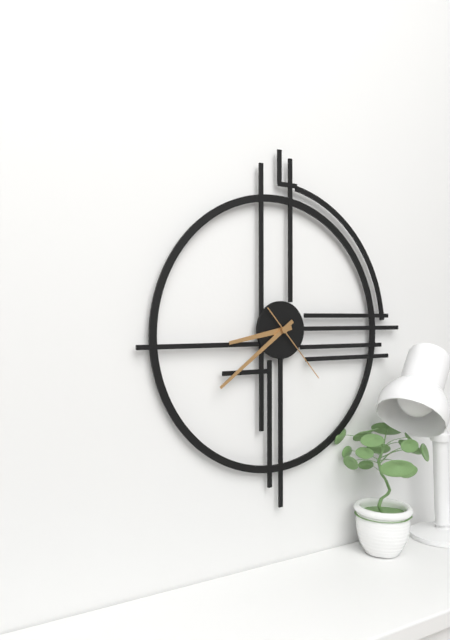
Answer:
8 h 39 min 23 s
